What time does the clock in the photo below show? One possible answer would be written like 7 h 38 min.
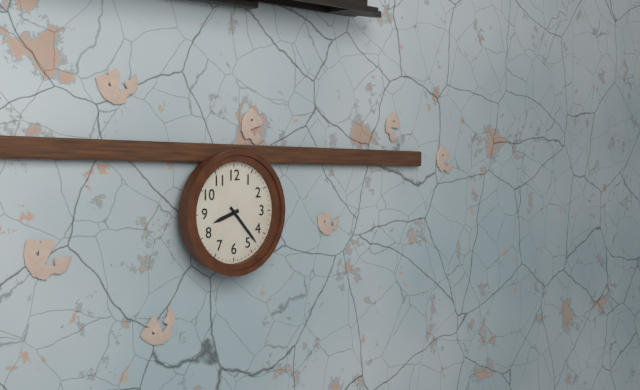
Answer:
8 h 23 min
